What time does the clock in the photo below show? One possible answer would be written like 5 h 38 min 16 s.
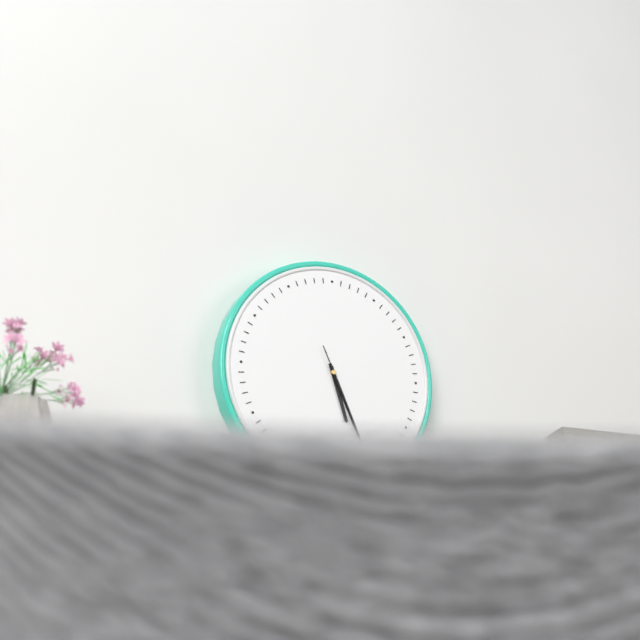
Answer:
5 h 26 min 26 s
